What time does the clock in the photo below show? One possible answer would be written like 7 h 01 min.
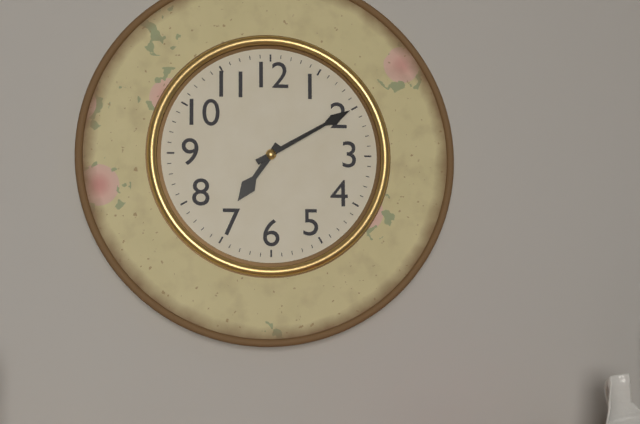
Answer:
7 h 10 min
